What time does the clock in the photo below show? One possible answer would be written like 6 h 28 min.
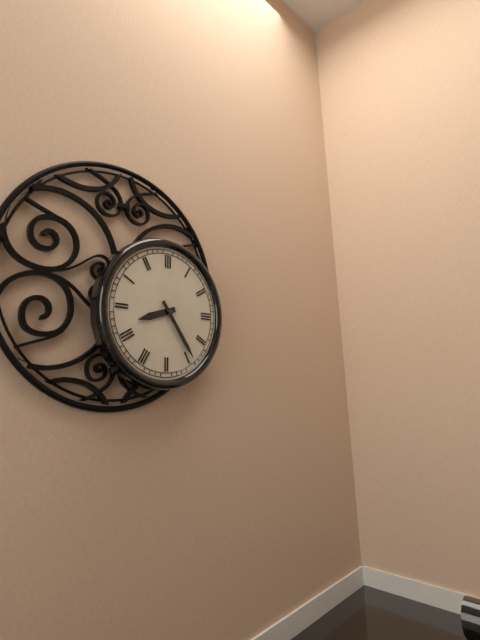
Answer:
8 h 24 min
